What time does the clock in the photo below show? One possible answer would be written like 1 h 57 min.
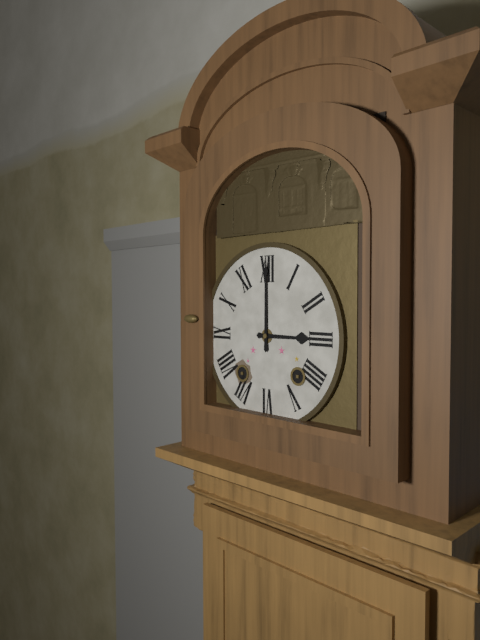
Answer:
3 h 00 min
